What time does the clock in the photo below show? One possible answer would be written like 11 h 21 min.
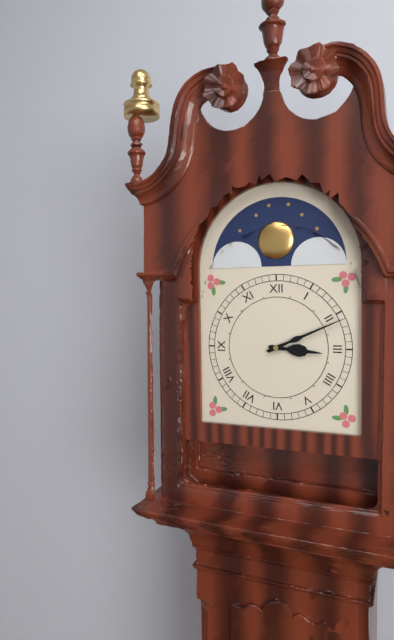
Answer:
3 h 11 min
